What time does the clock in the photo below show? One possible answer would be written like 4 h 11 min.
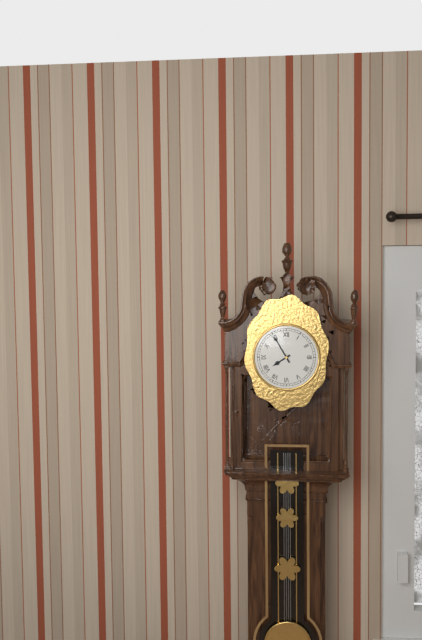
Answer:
7 h 55 min
